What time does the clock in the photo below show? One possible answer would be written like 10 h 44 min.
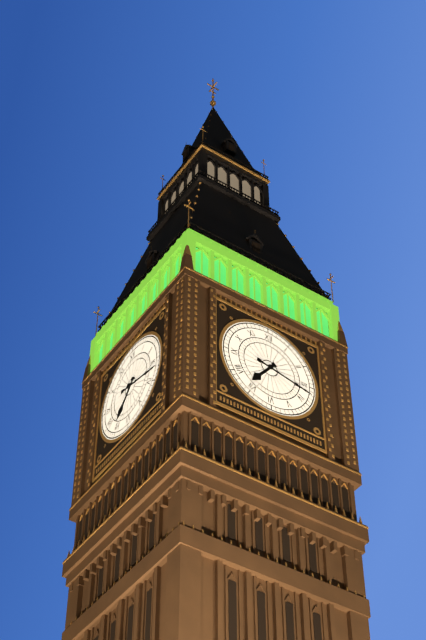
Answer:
7 h 17 min
